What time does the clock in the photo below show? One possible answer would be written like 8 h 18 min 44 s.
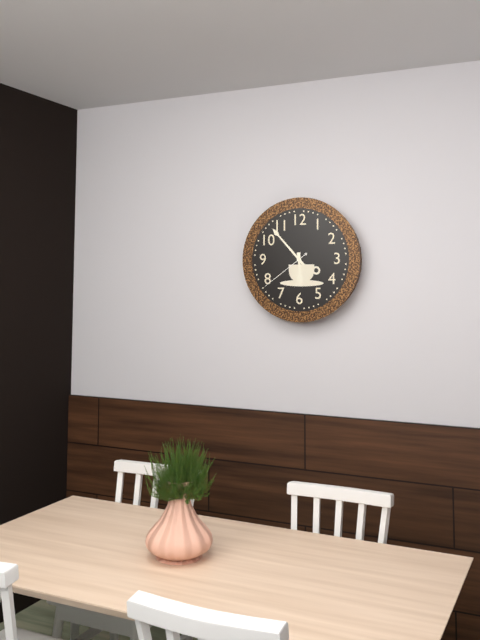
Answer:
5 h 53 min 39 s
